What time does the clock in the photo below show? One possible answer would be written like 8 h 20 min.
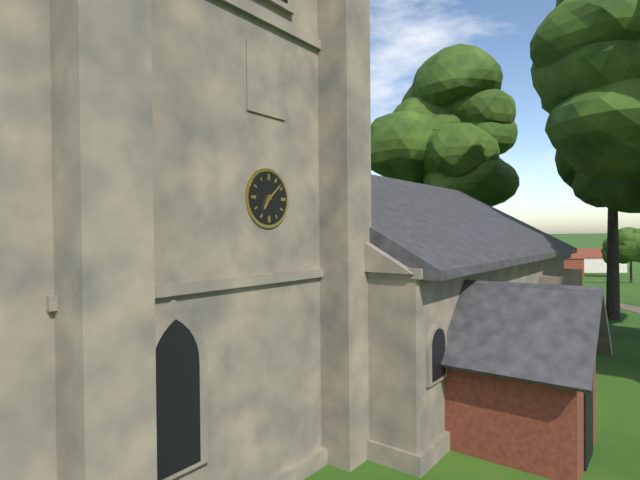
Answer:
7 h 08 min
